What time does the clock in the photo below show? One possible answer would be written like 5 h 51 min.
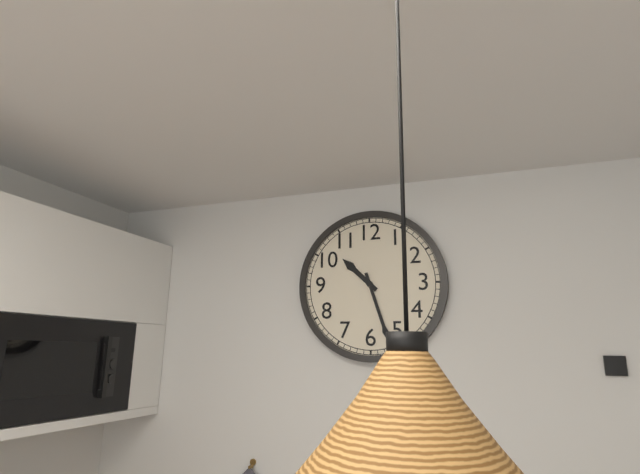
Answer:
10 h 27 min
